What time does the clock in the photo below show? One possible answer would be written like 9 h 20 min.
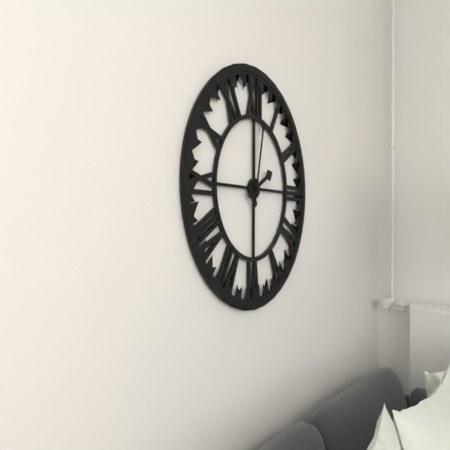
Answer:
2 h 02 min
